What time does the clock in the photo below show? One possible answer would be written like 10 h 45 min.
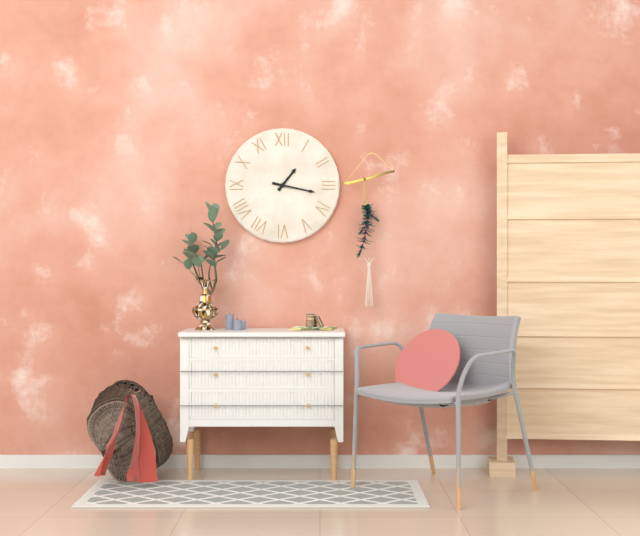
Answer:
1 h 17 min
